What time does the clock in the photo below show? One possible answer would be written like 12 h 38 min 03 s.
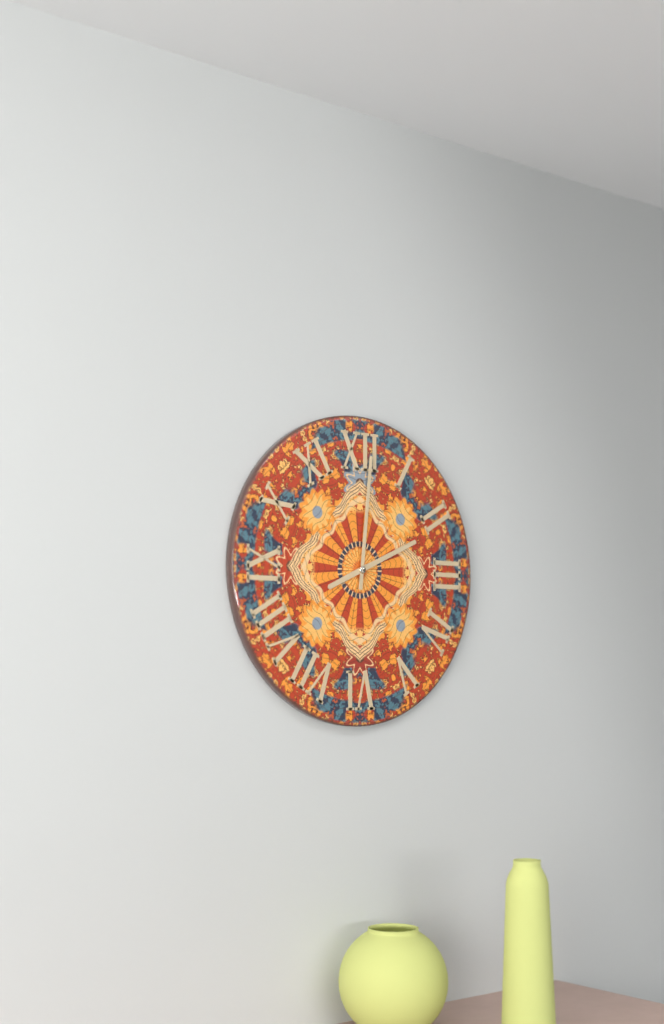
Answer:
8 h 11 min 01 s
